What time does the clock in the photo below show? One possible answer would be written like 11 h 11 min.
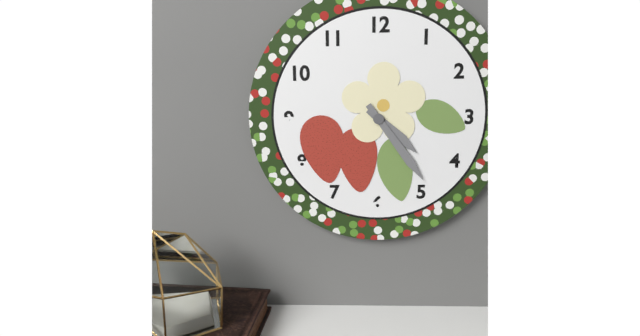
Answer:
4 h 24 min
